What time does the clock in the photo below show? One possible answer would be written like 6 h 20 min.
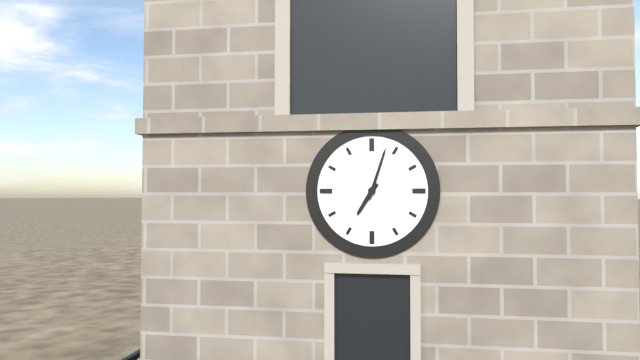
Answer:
7 h 03 min
